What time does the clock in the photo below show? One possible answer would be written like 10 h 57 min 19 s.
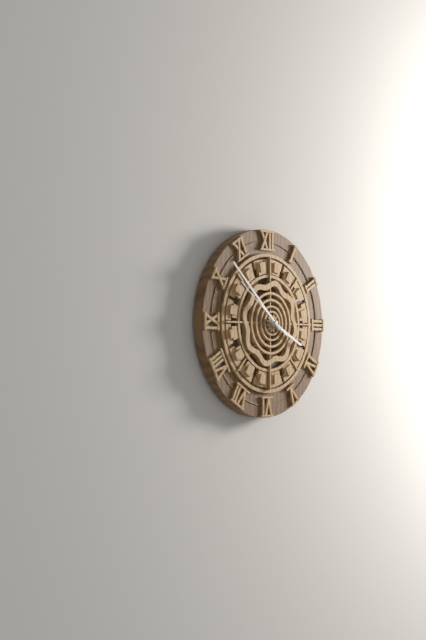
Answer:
3 h 52 min 51 s
